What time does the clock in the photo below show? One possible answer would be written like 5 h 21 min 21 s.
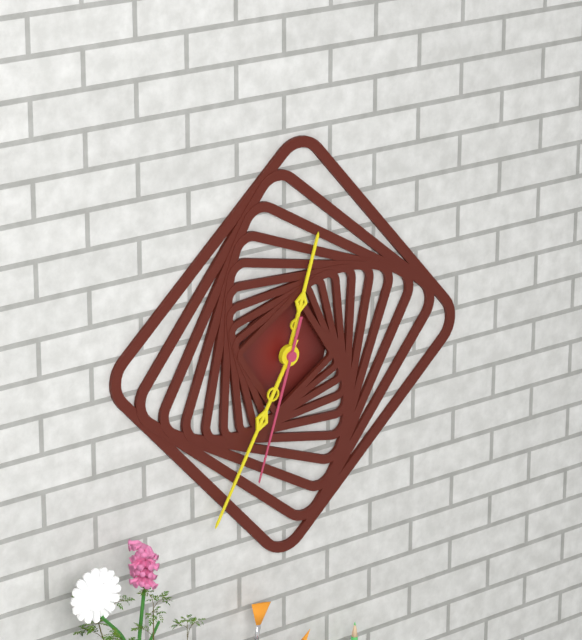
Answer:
12 h 35 min 33 s
